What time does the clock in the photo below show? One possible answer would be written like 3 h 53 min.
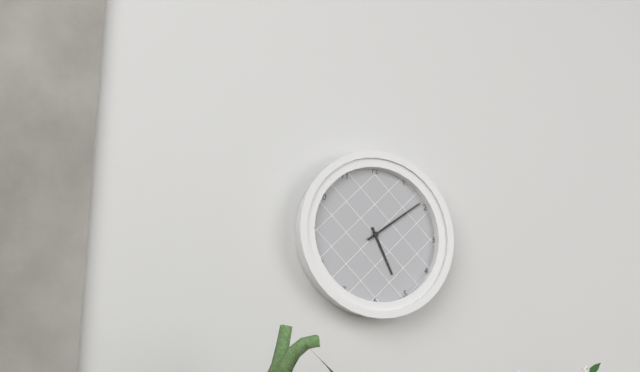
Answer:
5 h 09 min
